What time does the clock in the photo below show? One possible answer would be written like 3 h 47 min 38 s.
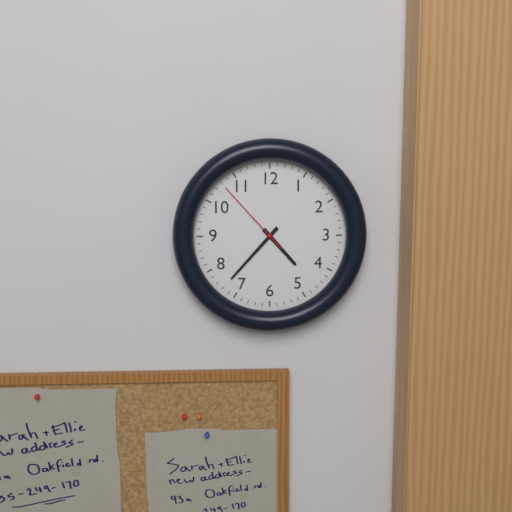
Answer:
4 h 37 min 53 s
